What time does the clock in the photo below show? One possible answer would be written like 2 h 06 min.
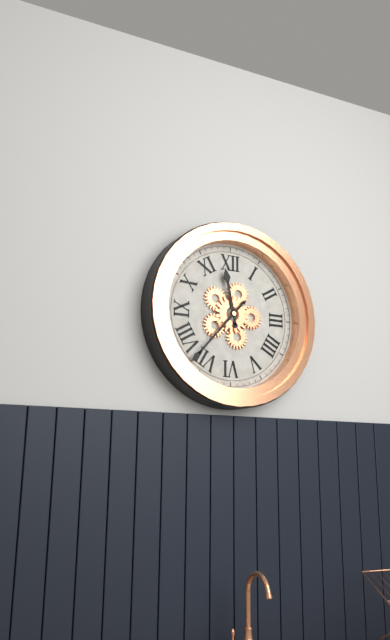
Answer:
11 h 37 min
